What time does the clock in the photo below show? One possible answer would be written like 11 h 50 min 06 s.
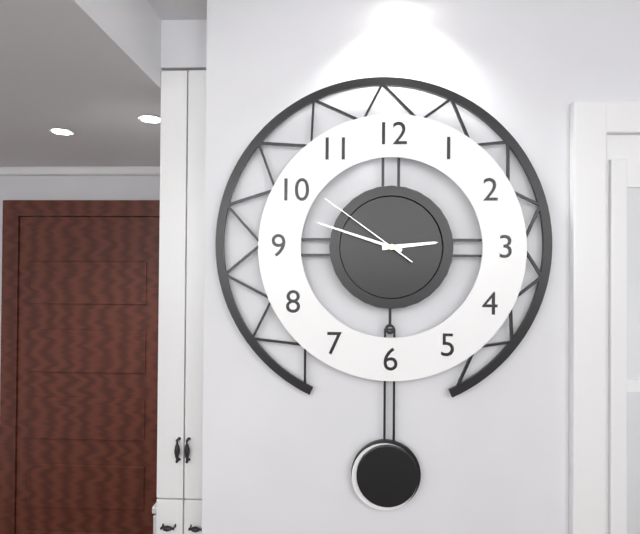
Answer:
2 h 48 min 51 s
